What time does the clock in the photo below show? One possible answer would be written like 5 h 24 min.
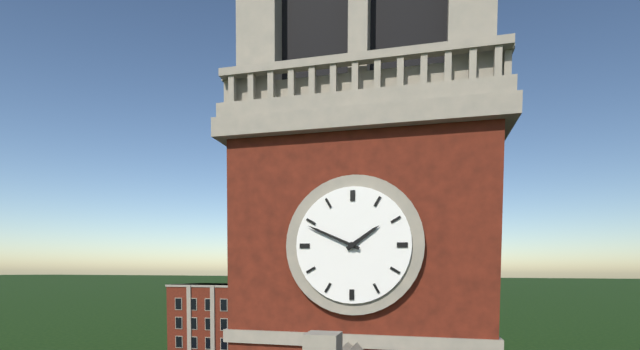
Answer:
1 h 49 min
